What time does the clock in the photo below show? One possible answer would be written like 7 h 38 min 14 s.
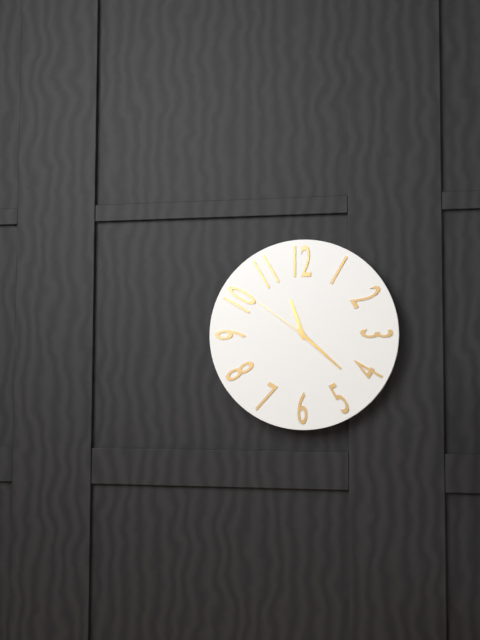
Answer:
11 h 22 min 51 s
